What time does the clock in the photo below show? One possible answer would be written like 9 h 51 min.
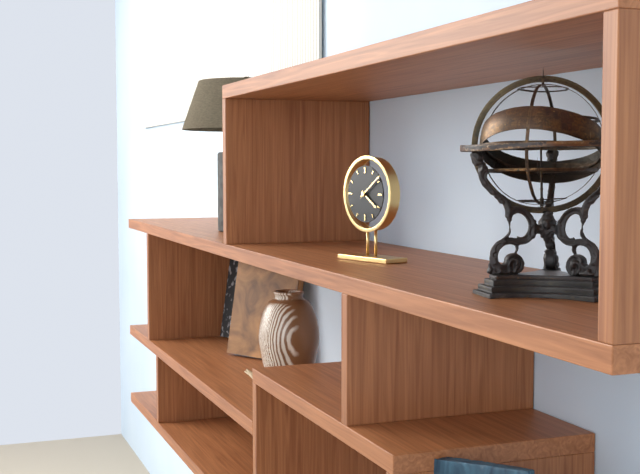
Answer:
4 h 09 min
